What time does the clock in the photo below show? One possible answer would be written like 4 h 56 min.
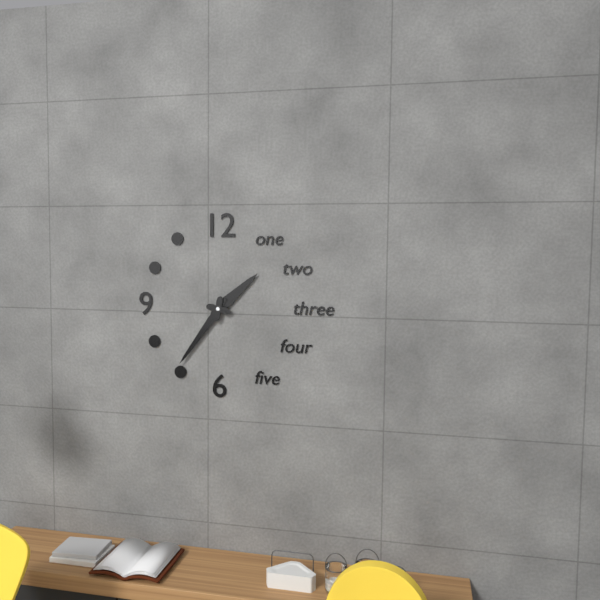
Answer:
1 h 36 min
